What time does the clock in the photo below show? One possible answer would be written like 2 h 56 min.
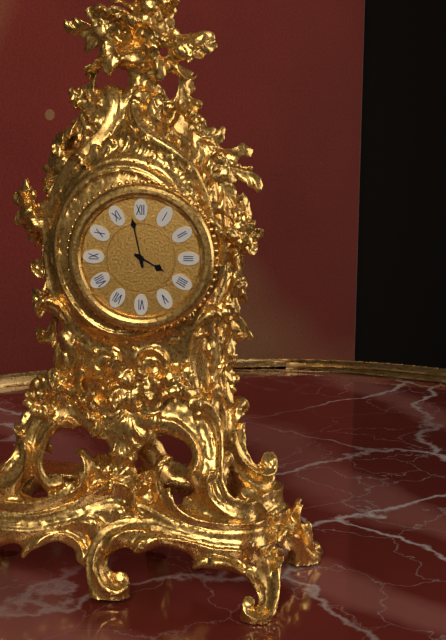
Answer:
3 h 58 min
